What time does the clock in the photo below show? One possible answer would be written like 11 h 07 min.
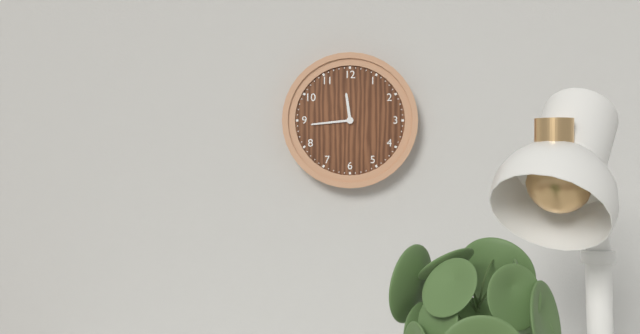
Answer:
11 h 44 min
